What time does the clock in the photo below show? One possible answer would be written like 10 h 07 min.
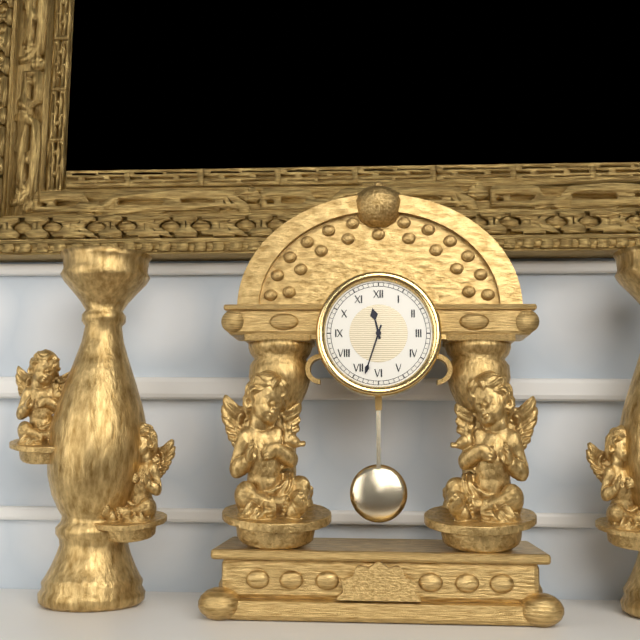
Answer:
11 h 33 min
